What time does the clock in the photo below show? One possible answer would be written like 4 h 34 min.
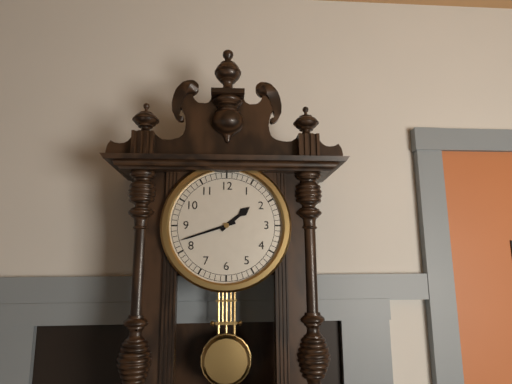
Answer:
1 h 42 min
